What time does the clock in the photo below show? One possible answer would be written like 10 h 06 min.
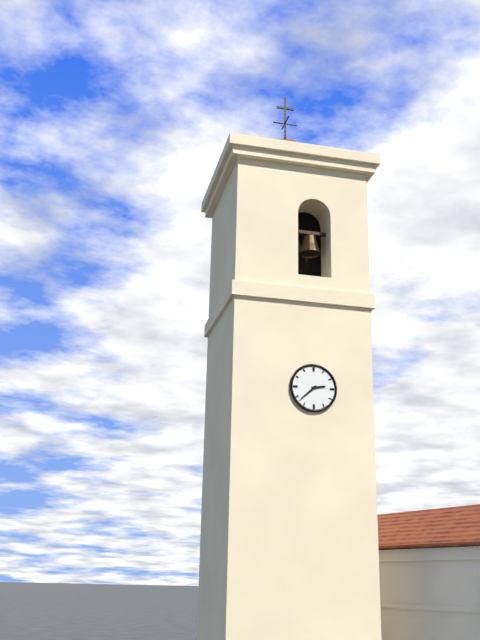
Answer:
2 h 38 min
